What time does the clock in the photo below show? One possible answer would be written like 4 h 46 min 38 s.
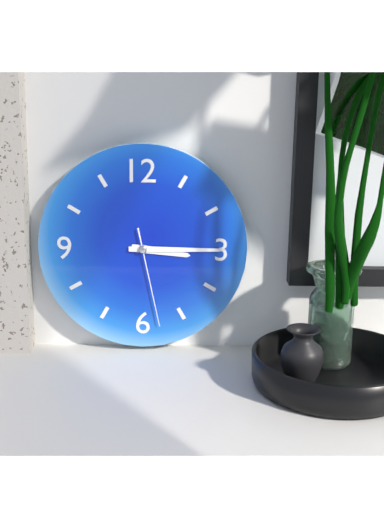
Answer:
3 h 15 min 28 s
